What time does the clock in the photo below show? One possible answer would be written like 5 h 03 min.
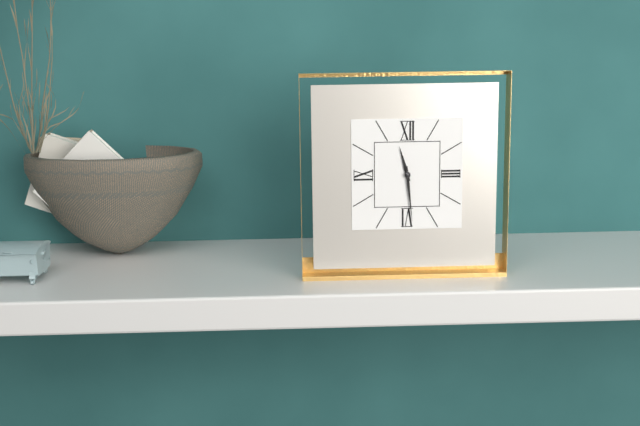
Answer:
11 h 29 min
